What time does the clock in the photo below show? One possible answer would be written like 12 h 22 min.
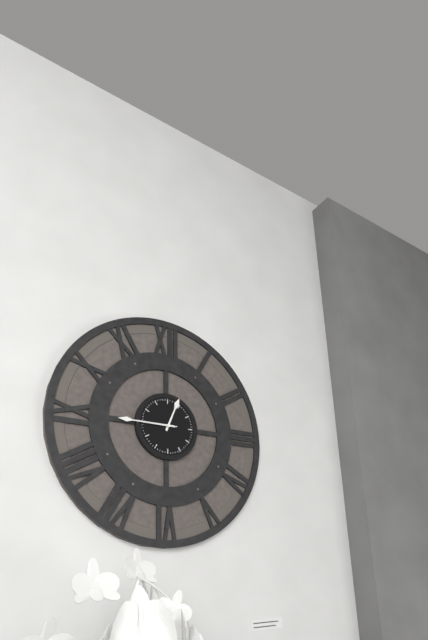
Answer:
12 h 45 min
